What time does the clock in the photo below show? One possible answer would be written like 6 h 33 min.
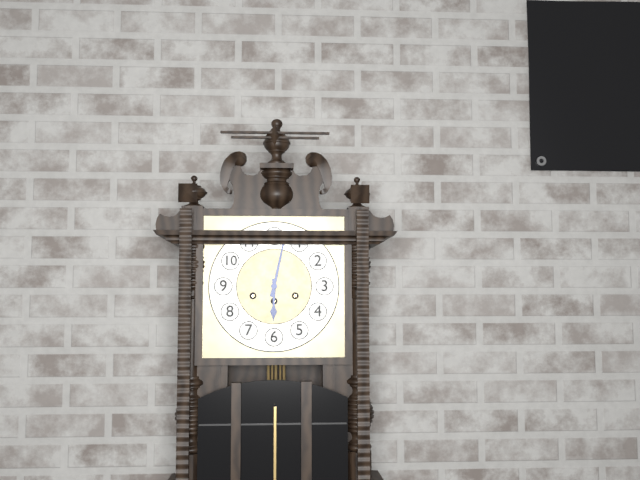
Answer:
6 h 02 min
